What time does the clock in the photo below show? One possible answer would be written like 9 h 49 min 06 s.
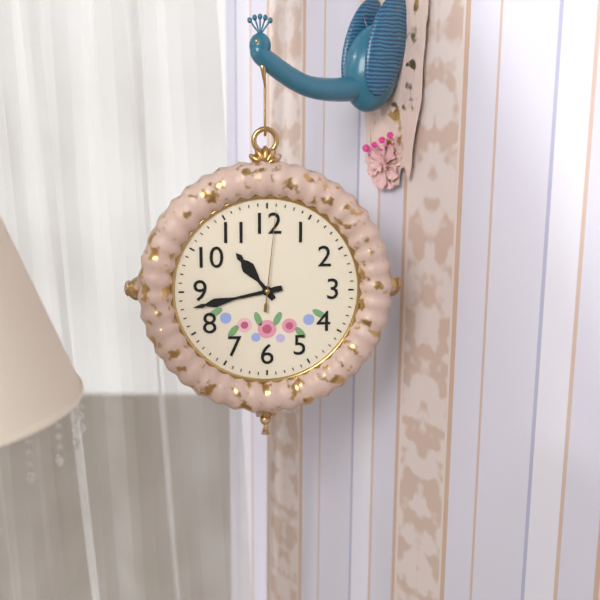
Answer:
10 h 43 min 01 s
